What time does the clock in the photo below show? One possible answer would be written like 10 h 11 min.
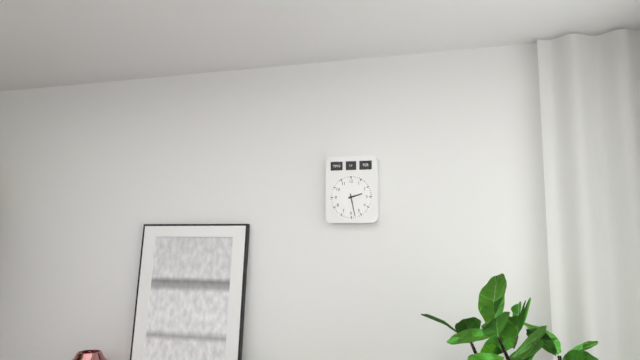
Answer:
2 h 28 min
